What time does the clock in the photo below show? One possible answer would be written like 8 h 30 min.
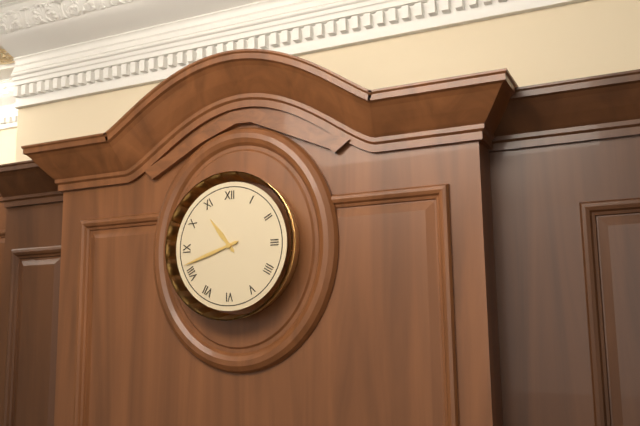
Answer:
10 h 42 min
